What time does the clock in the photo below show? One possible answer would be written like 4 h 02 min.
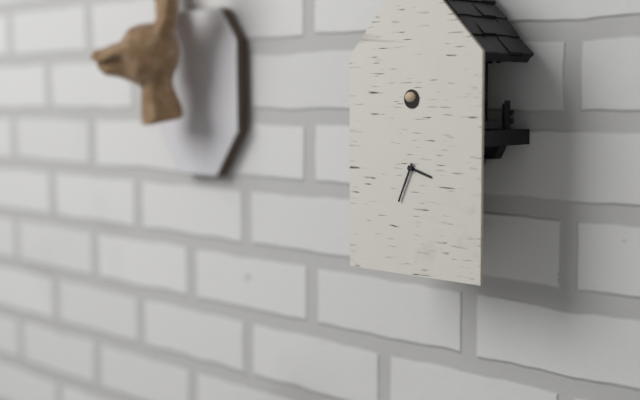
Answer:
3 h 34 min
